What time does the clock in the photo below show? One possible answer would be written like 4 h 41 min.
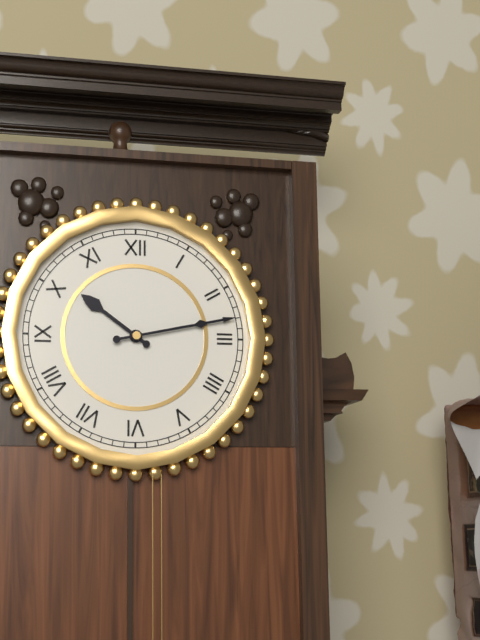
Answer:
10 h 13 min
